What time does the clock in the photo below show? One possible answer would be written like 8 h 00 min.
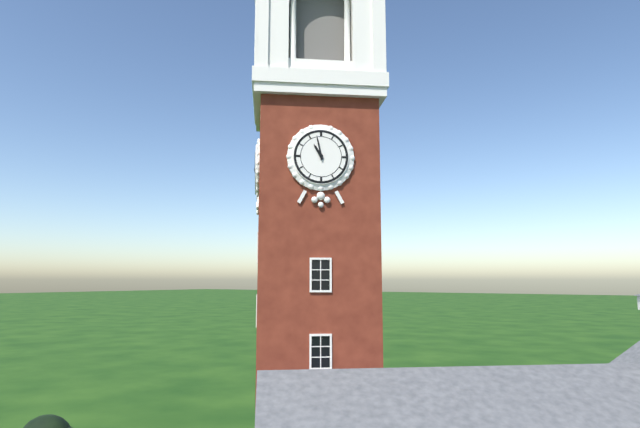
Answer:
10 h 58 min
